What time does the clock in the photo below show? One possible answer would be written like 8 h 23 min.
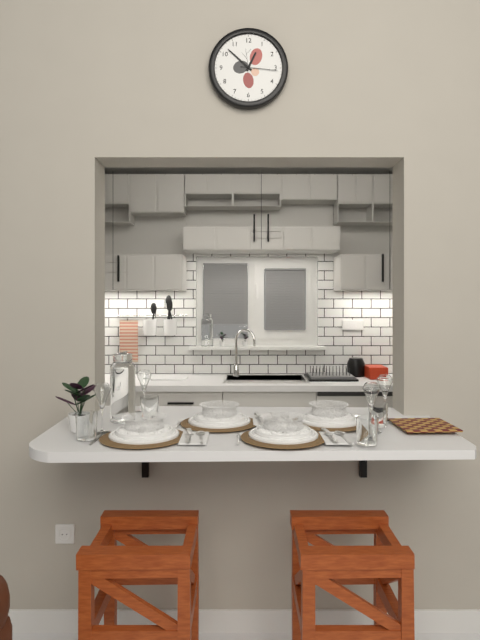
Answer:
12 h 52 min
